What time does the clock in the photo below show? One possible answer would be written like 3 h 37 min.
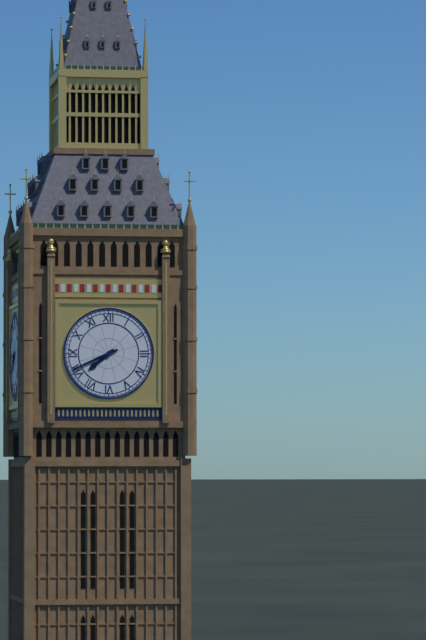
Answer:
7 h 41 min
